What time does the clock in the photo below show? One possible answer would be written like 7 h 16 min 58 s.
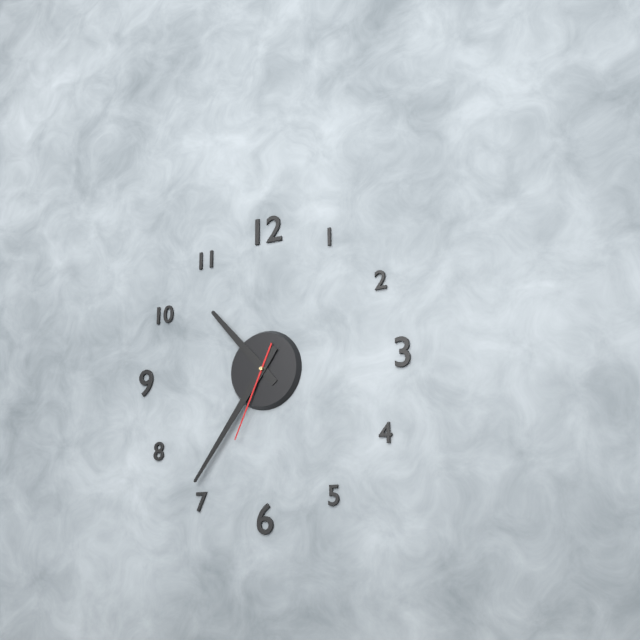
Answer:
10 h 36 min 34 s
